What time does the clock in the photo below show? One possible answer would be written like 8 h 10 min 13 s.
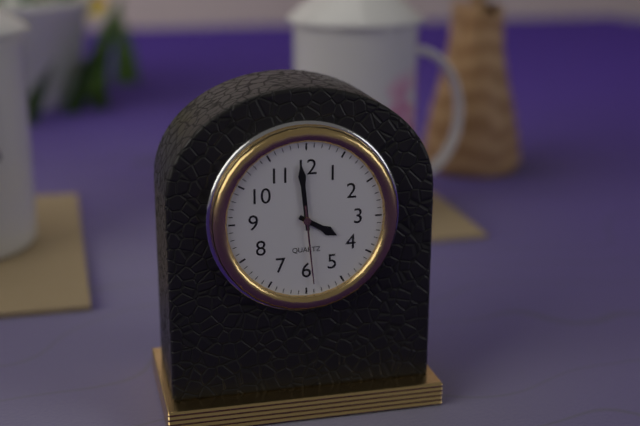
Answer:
3 h 59 min 29 s
